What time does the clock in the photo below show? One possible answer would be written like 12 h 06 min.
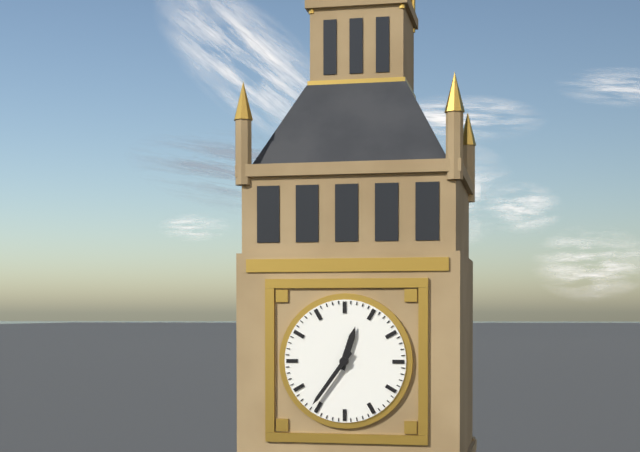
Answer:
12 h 36 min
